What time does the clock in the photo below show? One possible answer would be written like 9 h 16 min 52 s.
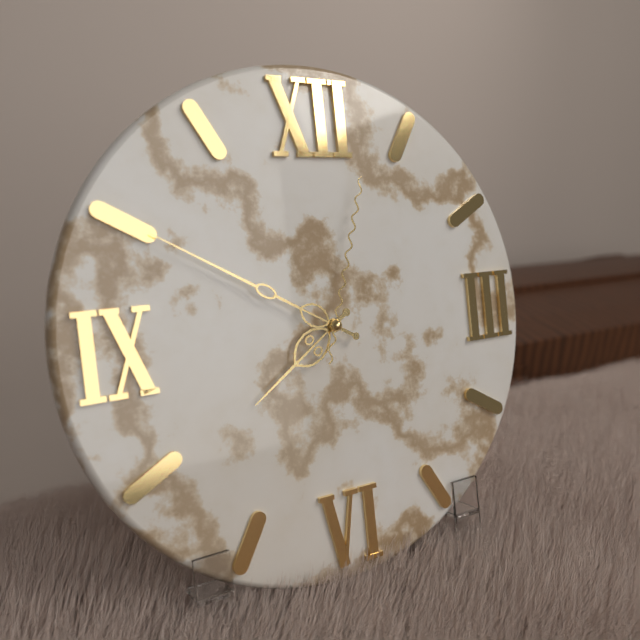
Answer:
7 h 50 min 03 s
